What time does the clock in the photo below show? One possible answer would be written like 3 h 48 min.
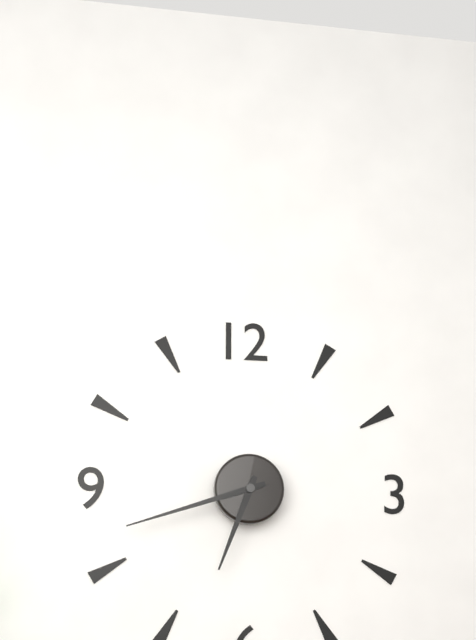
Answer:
6 h 42 min
